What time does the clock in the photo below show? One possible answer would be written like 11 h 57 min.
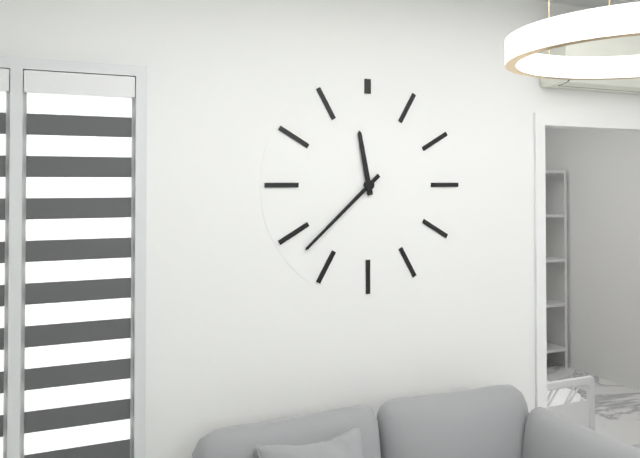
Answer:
11 h 38 min
